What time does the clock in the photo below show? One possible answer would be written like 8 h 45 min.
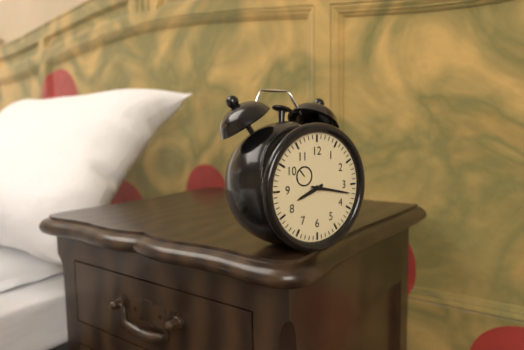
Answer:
8 h 17 min
